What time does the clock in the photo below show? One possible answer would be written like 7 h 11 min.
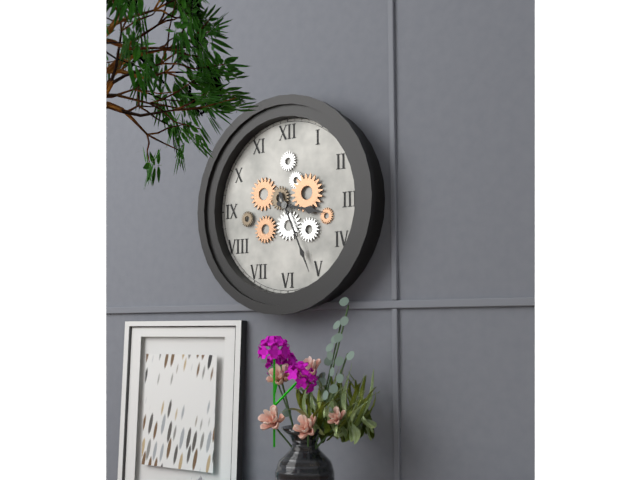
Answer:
3 h 26 min
